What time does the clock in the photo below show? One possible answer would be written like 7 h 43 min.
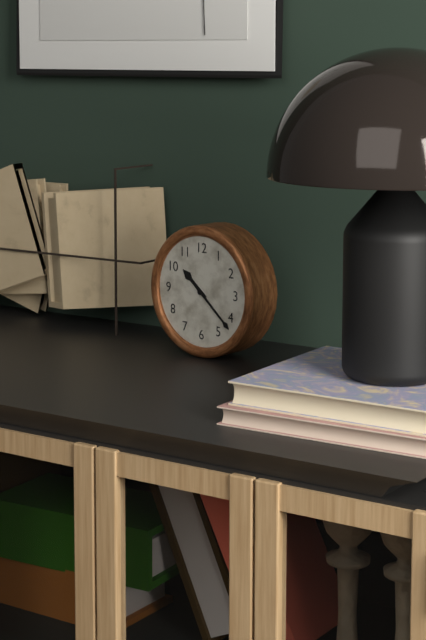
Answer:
10 h 22 min
